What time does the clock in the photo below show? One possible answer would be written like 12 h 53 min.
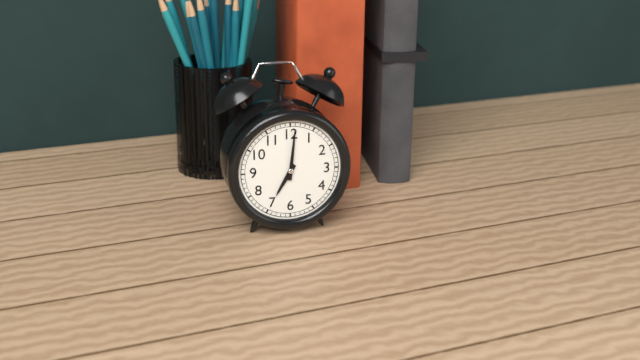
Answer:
7 h 01 min
